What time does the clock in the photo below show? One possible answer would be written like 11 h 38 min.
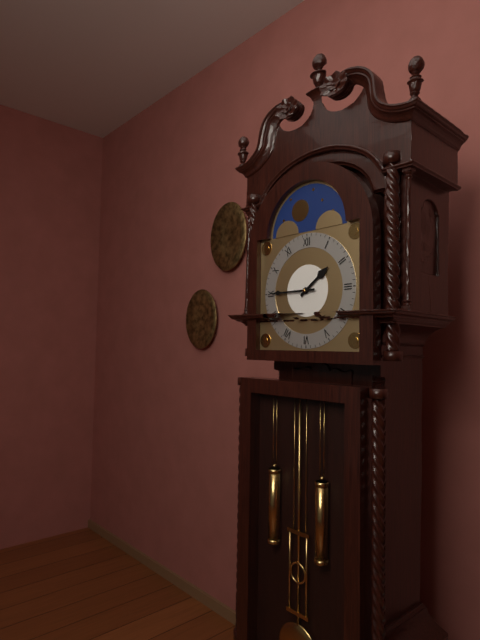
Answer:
1 h 45 min
